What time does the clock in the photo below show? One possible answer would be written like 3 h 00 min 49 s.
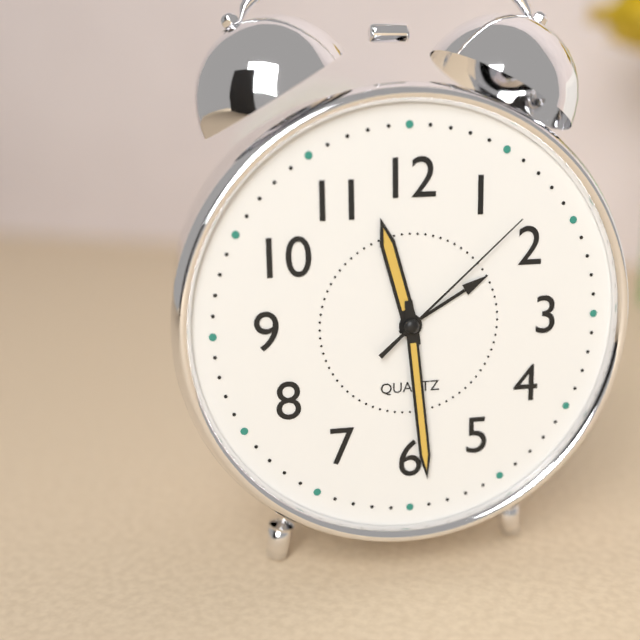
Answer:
11 h 29 min 08 s
